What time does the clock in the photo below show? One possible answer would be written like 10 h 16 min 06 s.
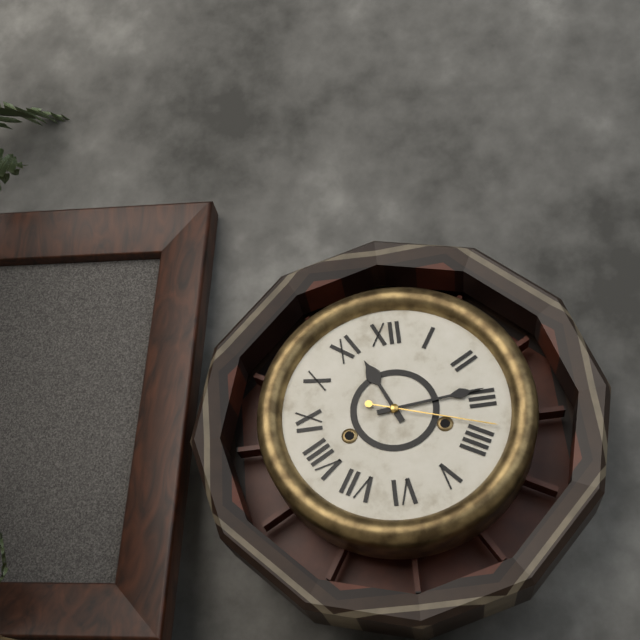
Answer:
11 h 14 min 18 s
